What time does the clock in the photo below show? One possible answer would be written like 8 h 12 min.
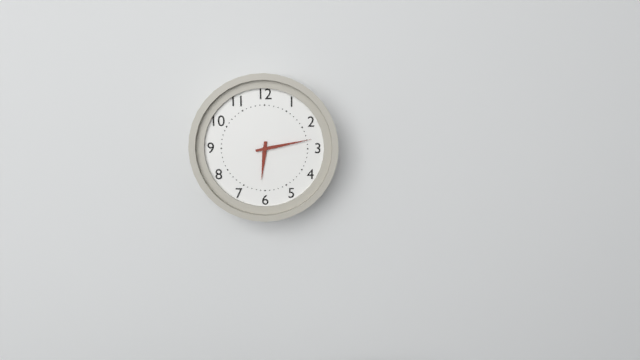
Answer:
6 h 13 min
